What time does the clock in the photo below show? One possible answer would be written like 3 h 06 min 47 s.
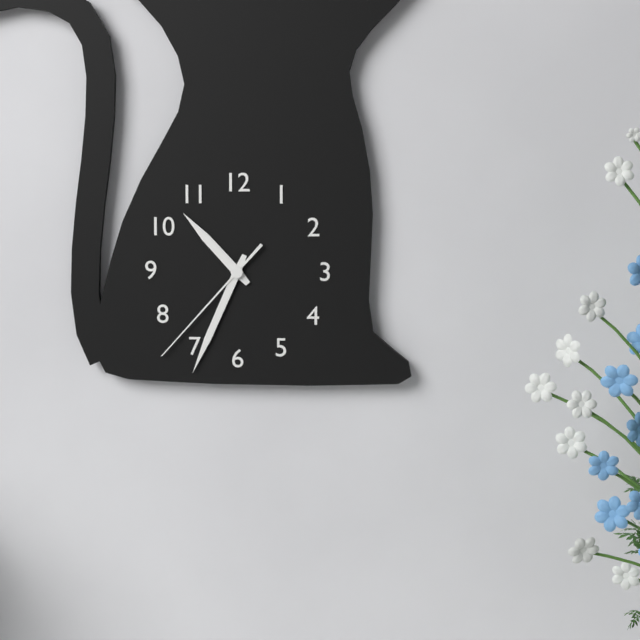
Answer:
10 h 34 min 37 s
